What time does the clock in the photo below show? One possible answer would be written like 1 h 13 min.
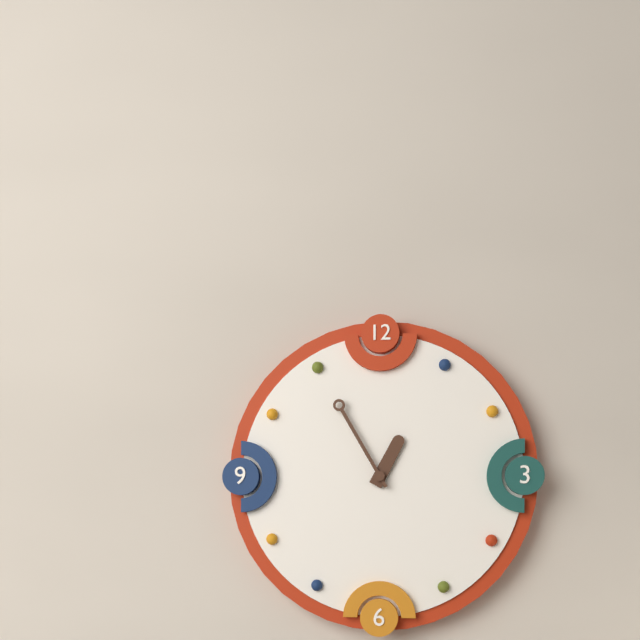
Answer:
12 h 55 min
